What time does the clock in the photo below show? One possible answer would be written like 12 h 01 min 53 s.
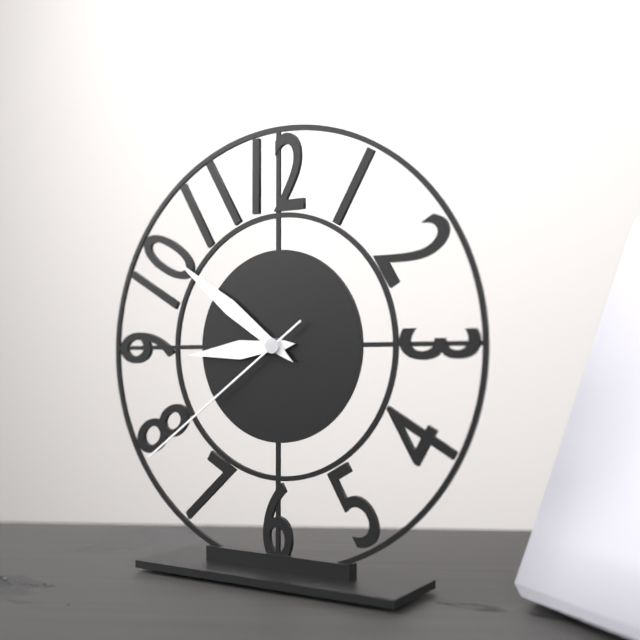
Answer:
8 h 51 min 39 s
